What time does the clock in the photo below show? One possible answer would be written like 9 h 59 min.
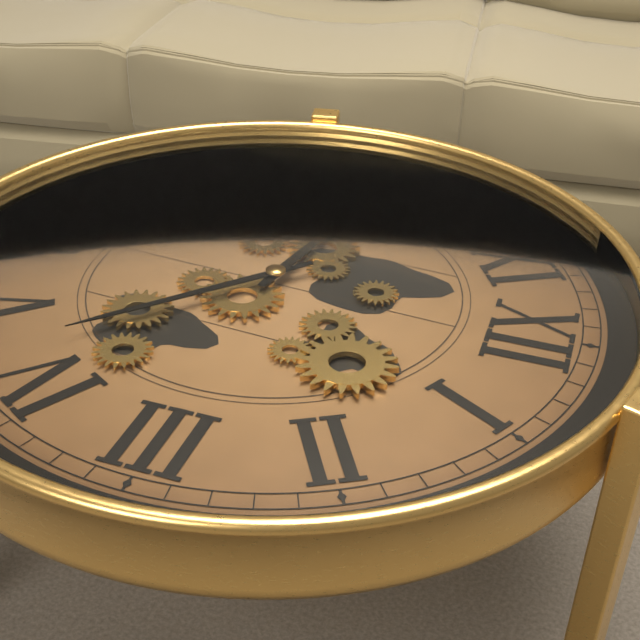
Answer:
9 h 22 min
